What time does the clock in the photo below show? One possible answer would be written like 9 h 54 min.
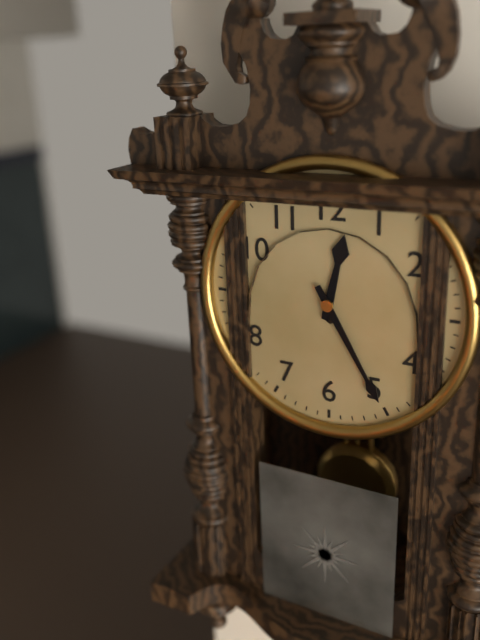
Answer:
12 h 25 min
